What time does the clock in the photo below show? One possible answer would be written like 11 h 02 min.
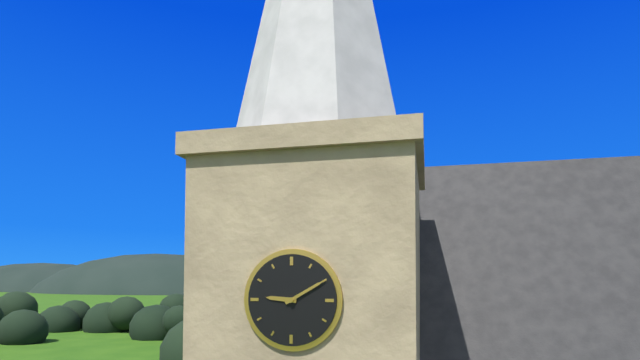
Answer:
9 h 10 min
